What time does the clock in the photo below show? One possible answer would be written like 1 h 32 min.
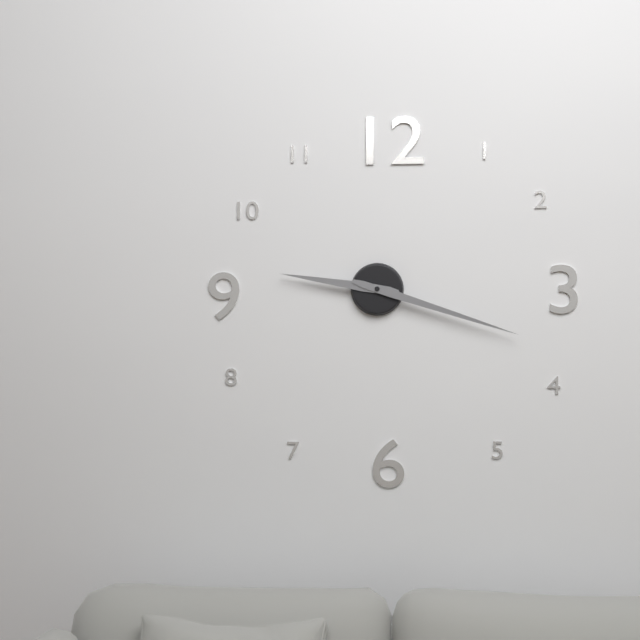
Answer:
9 h 18 min
